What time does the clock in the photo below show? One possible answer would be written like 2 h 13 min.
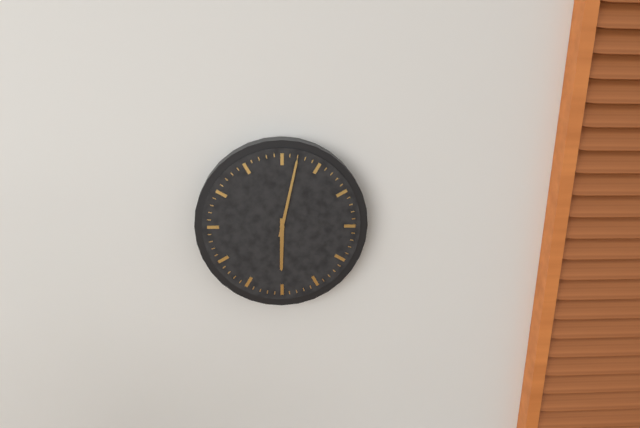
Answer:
6 h 02 min
